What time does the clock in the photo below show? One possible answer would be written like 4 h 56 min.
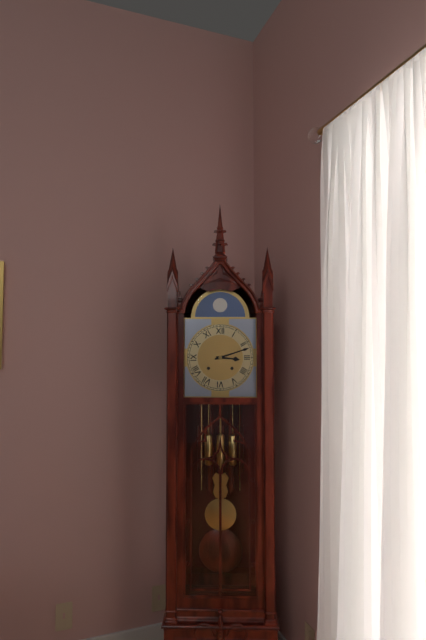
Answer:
3 h 12 min
